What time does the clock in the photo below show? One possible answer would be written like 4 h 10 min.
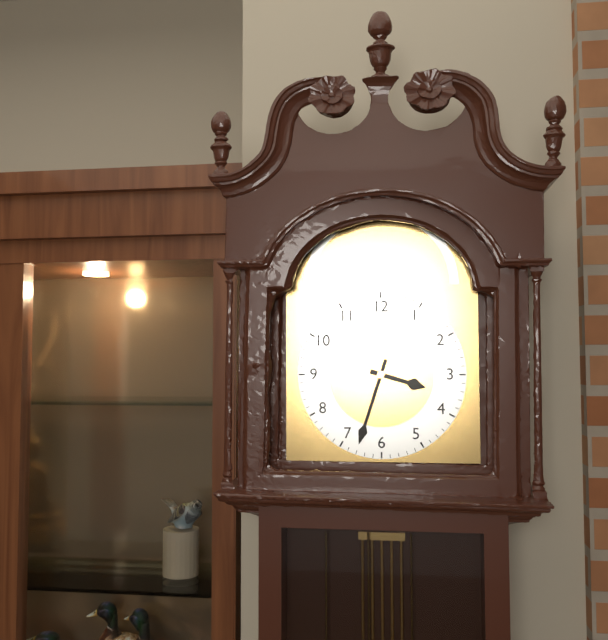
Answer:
3 h 33 min
